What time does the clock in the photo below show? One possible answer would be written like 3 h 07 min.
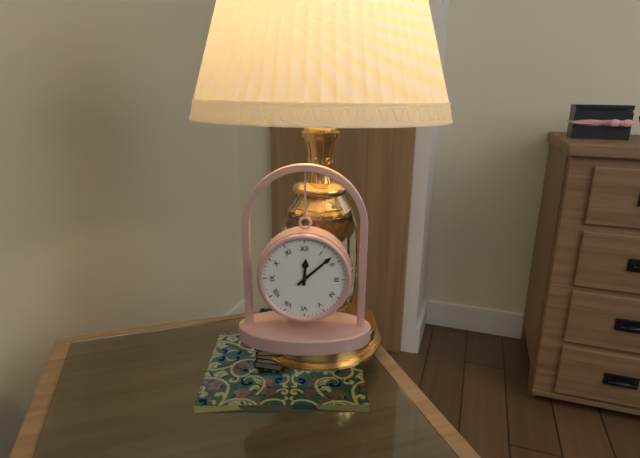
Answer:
12 h 08 min
